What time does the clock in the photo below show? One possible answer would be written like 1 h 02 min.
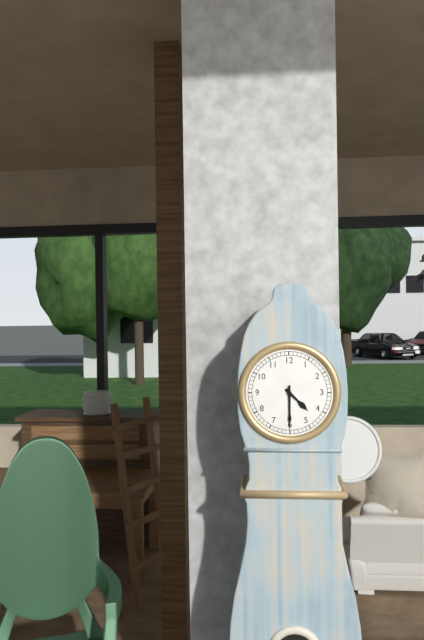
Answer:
4 h 30 min
